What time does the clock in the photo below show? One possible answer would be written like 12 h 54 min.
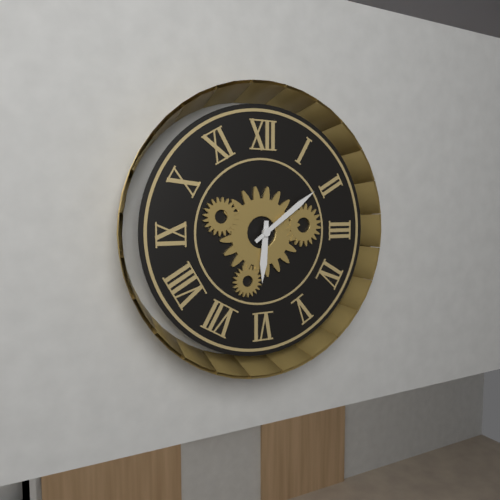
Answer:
6 h 09 min
